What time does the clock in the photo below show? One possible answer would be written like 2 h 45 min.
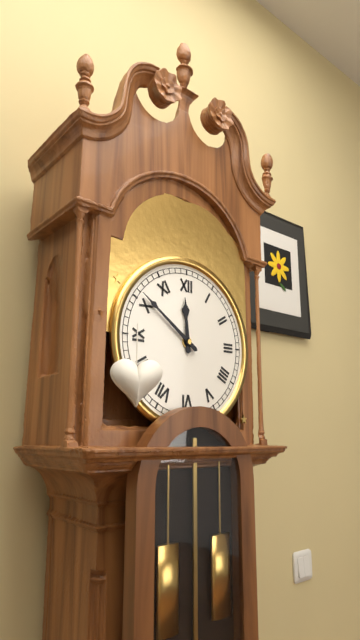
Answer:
11 h 51 min
